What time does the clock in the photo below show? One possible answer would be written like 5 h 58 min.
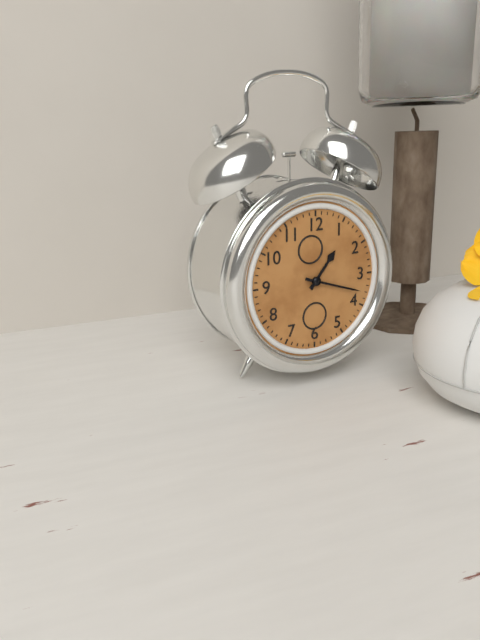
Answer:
1 h 18 min
